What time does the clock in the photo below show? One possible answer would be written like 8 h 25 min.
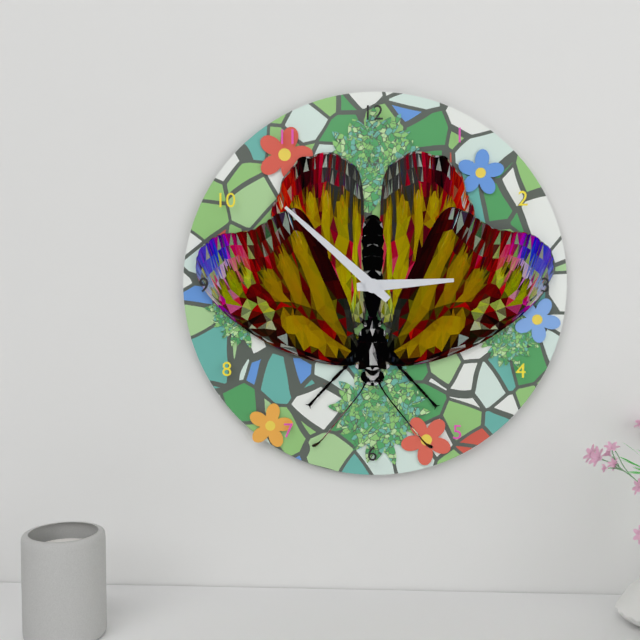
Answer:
2 h 52 min
